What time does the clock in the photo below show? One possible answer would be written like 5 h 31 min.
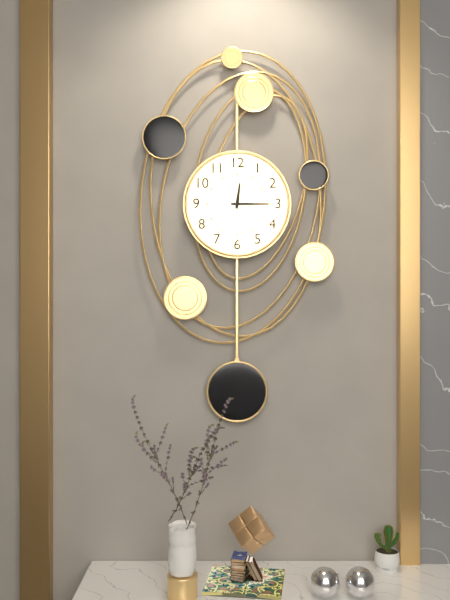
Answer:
12 h 15 min
